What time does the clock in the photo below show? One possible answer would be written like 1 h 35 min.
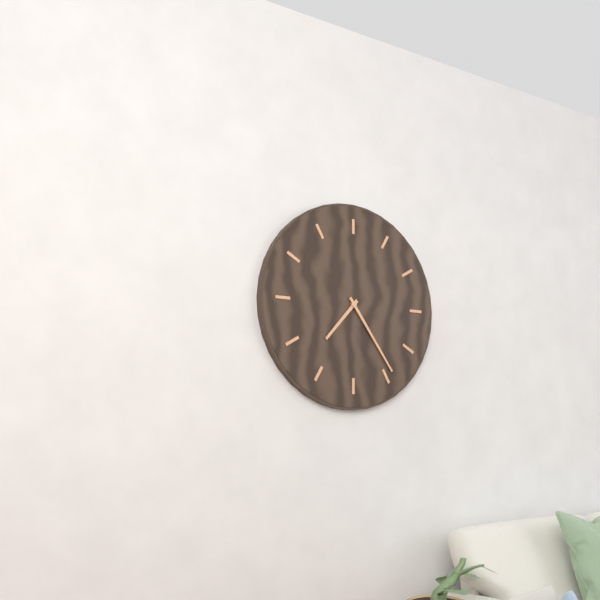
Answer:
7 h 24 min
